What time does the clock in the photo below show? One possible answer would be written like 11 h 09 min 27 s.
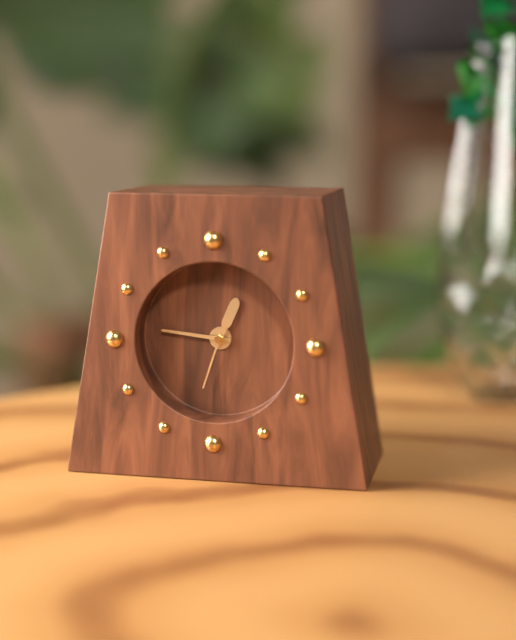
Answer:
12 h 46 min 33 s
